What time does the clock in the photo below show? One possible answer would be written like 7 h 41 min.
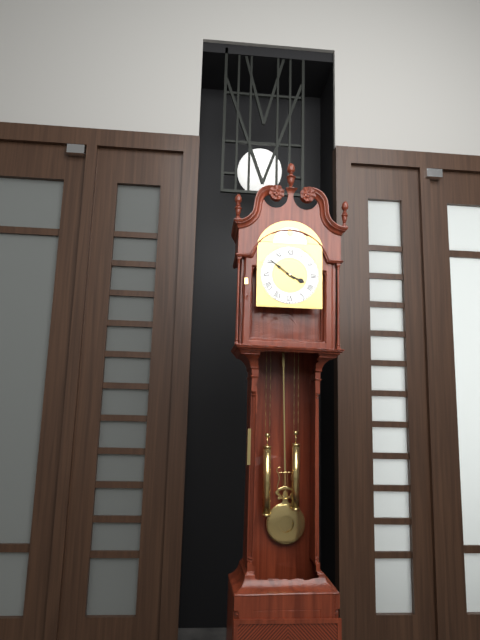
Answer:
3 h 51 min
